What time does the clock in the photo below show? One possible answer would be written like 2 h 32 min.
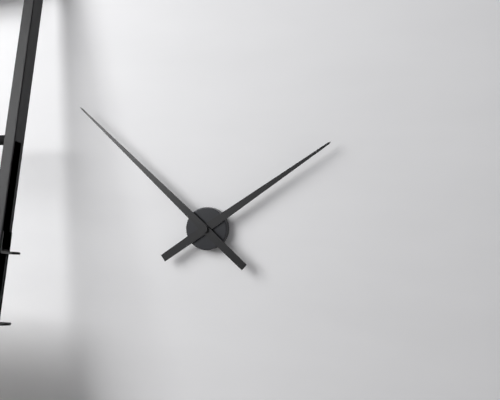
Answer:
1 h 52 min
